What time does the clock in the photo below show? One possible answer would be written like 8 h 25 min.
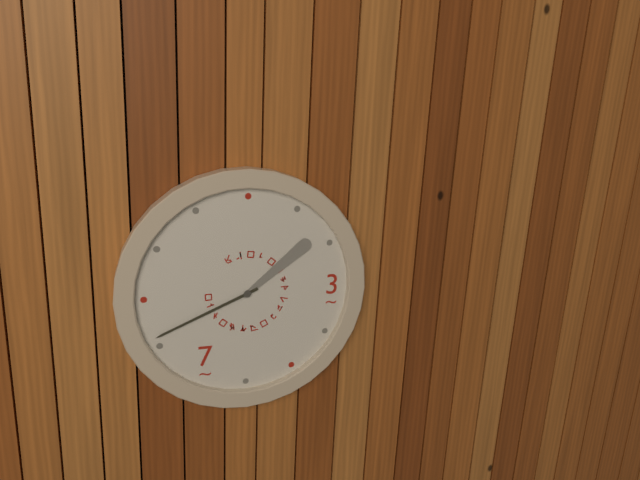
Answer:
1 h 41 min
